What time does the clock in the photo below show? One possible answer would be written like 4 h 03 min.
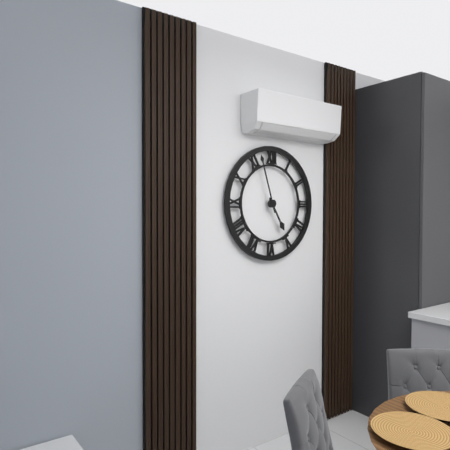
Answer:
4 h 57 min
